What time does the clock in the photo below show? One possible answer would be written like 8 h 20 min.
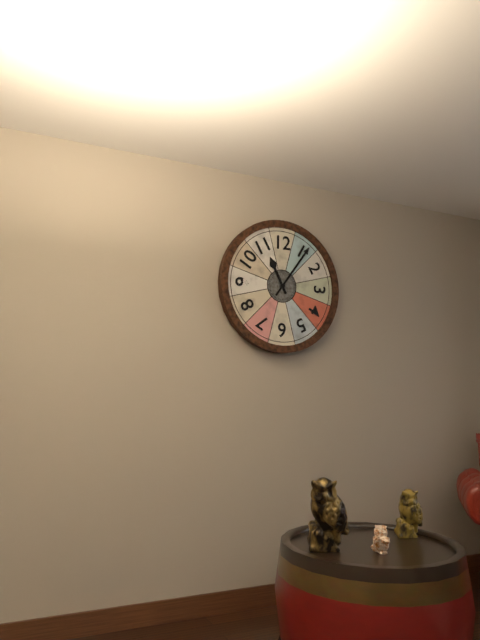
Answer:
11 h 06 min
